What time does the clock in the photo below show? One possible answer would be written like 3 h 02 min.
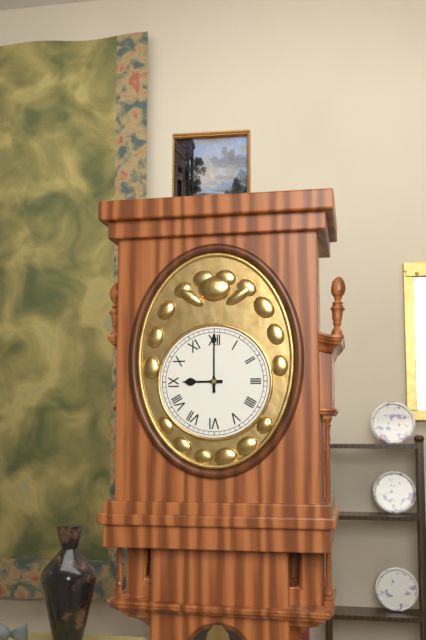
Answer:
9 h 00 min
